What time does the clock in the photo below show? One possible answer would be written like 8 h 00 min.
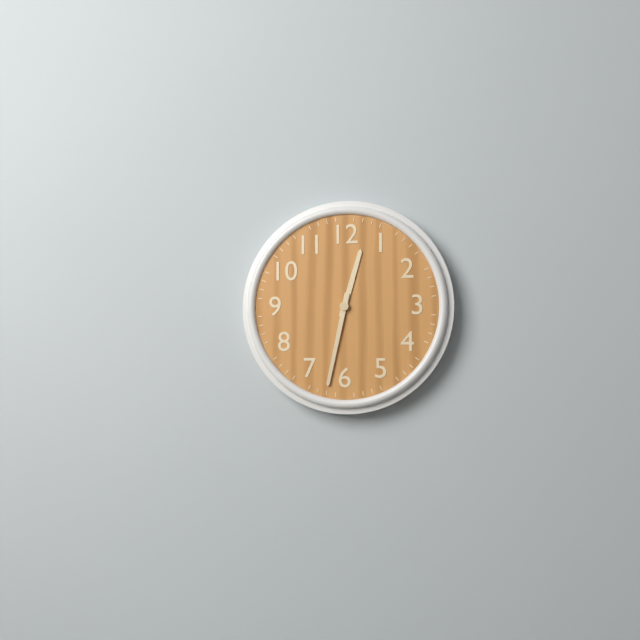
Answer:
12 h 32 min
